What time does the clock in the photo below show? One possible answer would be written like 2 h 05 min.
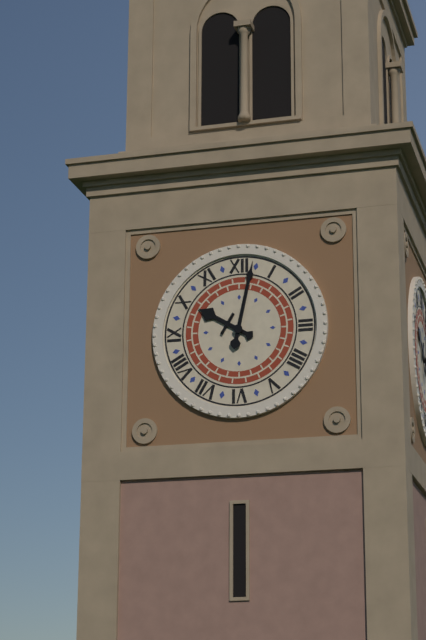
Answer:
10 h 02 min
